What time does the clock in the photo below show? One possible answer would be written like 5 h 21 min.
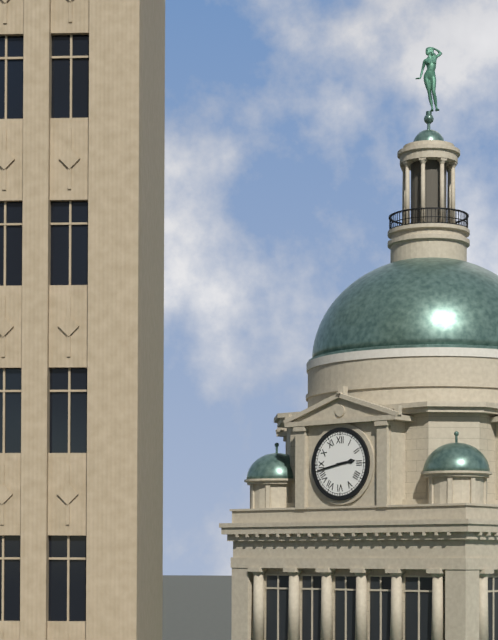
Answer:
2 h 43 min
